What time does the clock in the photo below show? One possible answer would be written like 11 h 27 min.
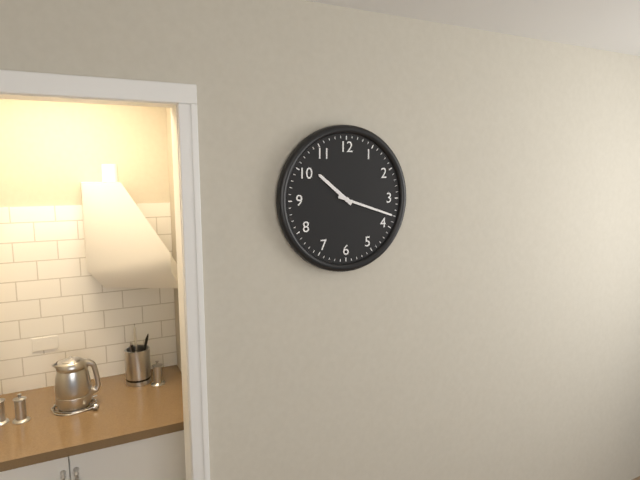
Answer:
10 h 18 min
